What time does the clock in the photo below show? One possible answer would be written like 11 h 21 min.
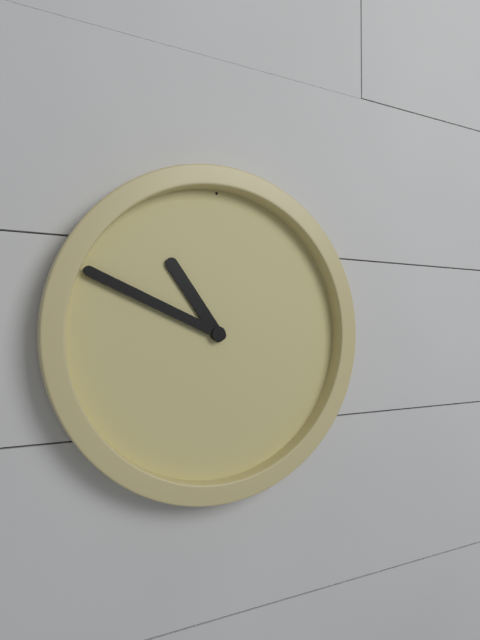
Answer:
10 h 49 min
